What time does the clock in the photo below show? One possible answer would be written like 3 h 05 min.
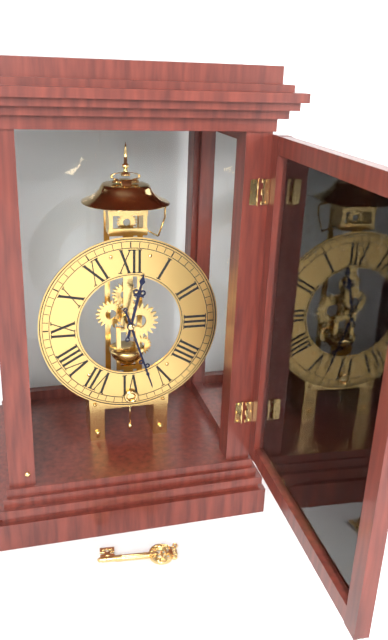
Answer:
12 h 27 min
